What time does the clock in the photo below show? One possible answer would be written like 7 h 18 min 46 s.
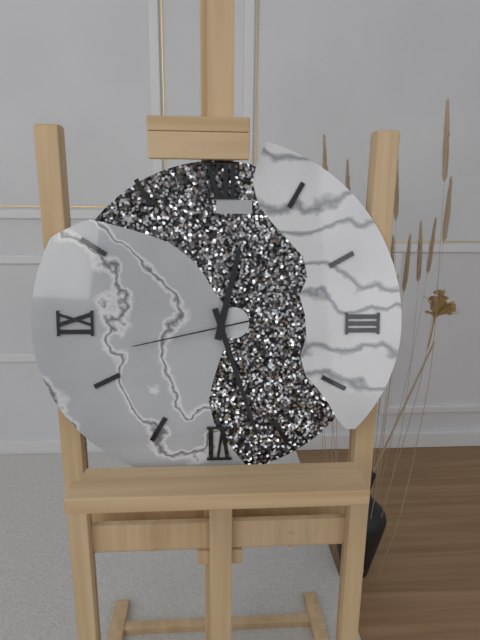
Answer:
12 h 27 min 43 s
